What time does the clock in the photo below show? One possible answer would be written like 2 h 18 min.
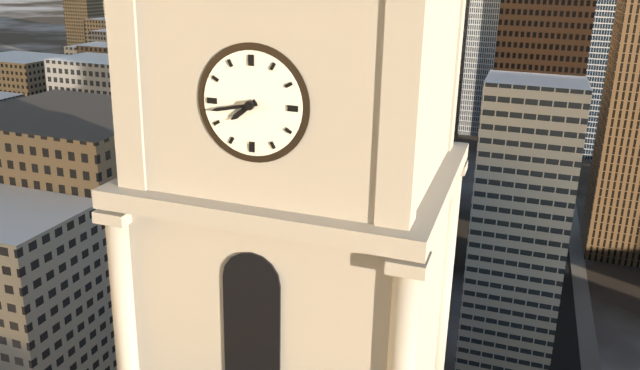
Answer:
7 h 43 min
